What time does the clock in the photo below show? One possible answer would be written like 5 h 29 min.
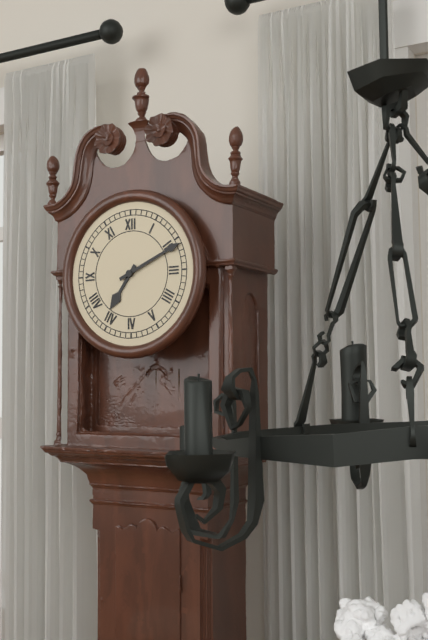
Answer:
7 h 11 min
